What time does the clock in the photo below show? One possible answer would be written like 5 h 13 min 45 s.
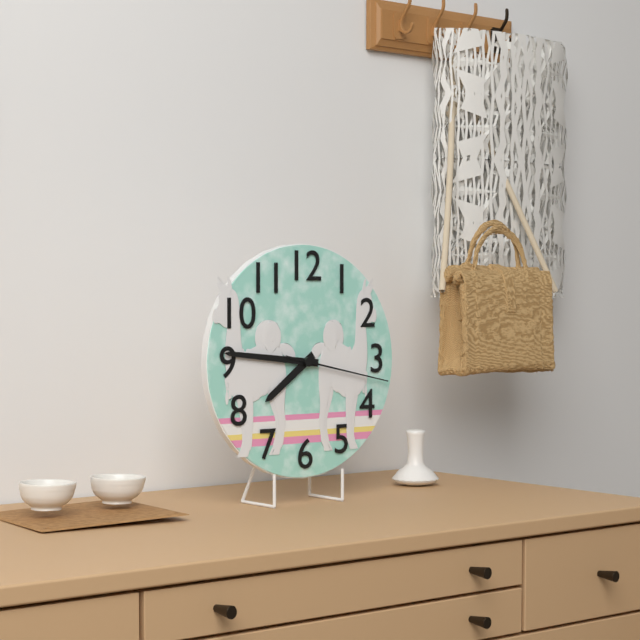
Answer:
7 h 46 min 17 s
